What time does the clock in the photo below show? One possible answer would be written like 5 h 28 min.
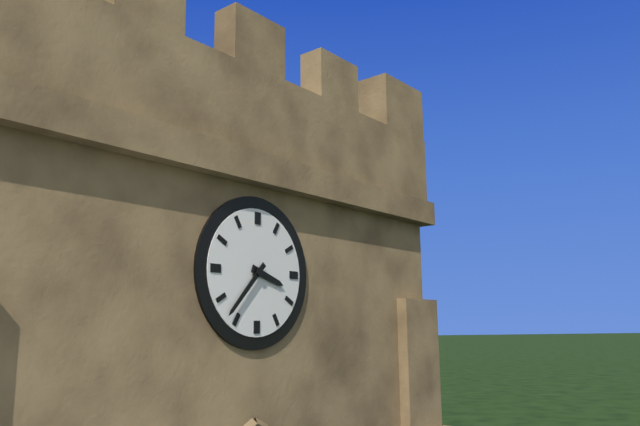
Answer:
3 h 37 min
